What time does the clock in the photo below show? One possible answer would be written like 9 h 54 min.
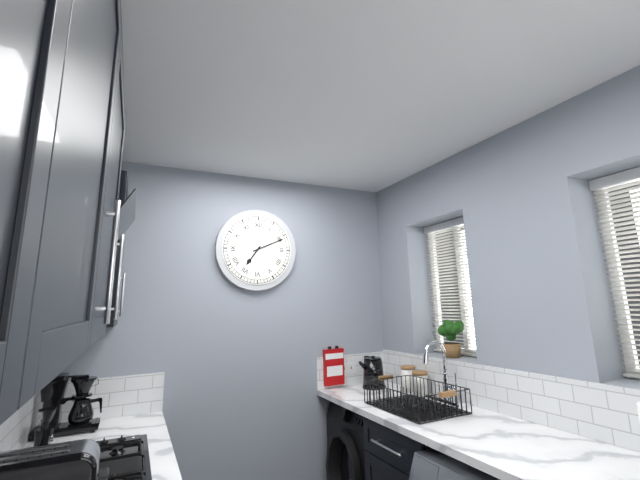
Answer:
7 h 11 min
